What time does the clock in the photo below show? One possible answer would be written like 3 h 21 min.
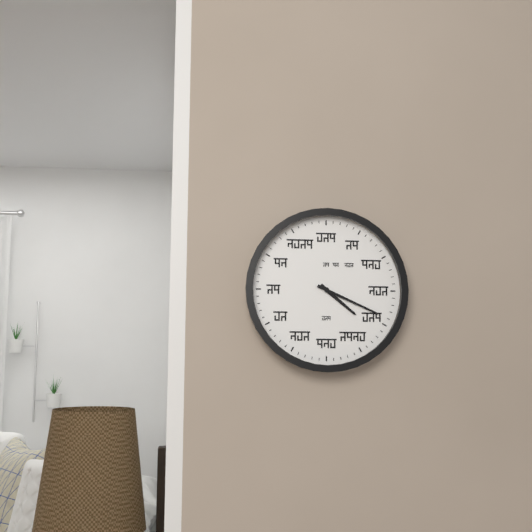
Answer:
4 h 19 min
